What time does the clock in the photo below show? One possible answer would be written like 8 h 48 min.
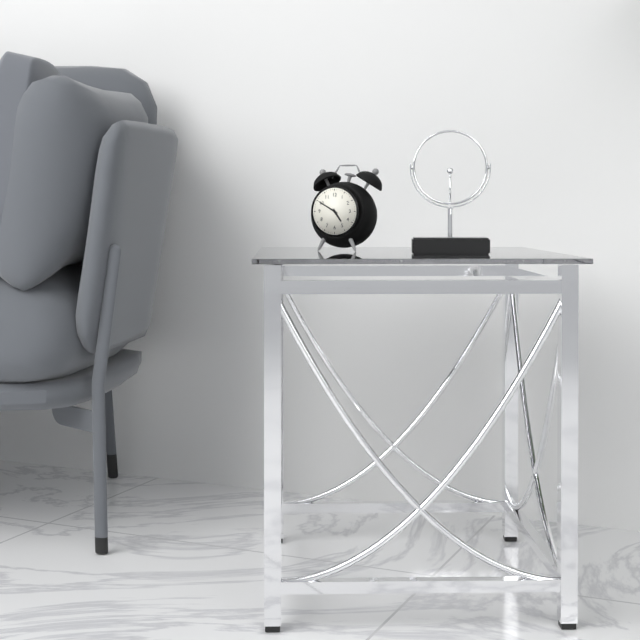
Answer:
4 h 50 min
